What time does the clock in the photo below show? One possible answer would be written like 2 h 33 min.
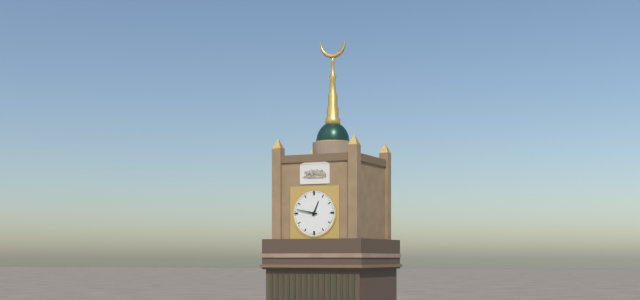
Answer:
12 h 47 min
